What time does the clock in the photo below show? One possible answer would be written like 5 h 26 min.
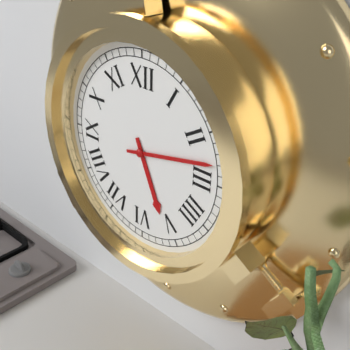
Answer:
5 h 13 min
